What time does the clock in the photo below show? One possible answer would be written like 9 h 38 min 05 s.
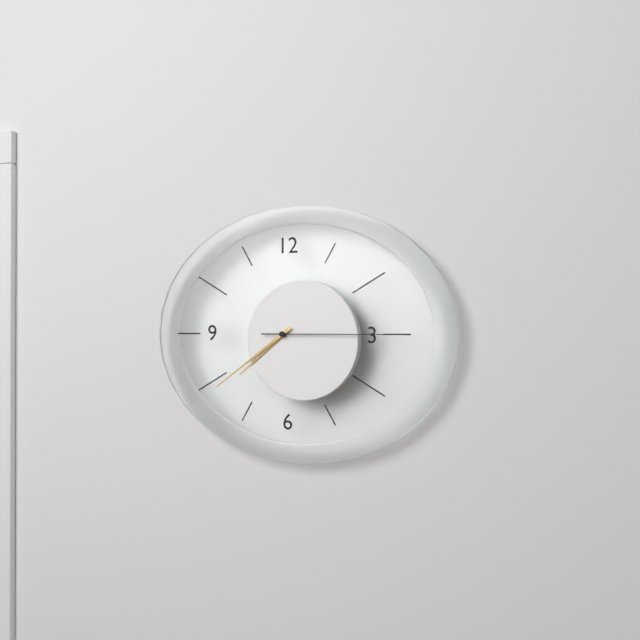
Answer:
7 h 39 min 15 s
